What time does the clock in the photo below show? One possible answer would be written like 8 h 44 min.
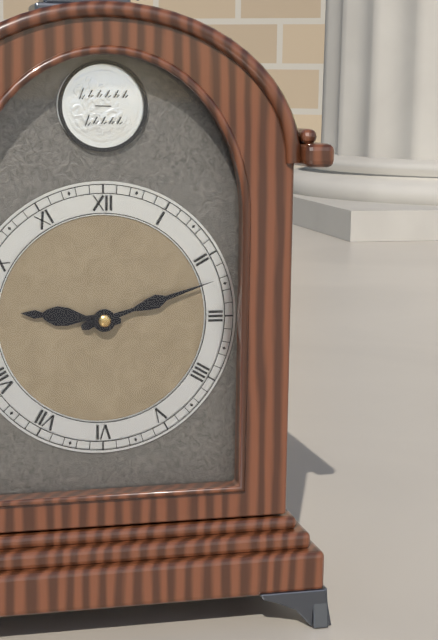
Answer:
9 h 12 min
